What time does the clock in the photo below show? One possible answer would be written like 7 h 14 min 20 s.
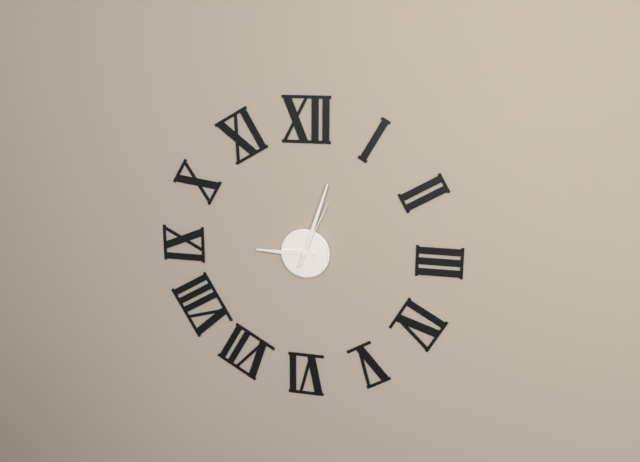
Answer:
9 h 03 min 04 s
